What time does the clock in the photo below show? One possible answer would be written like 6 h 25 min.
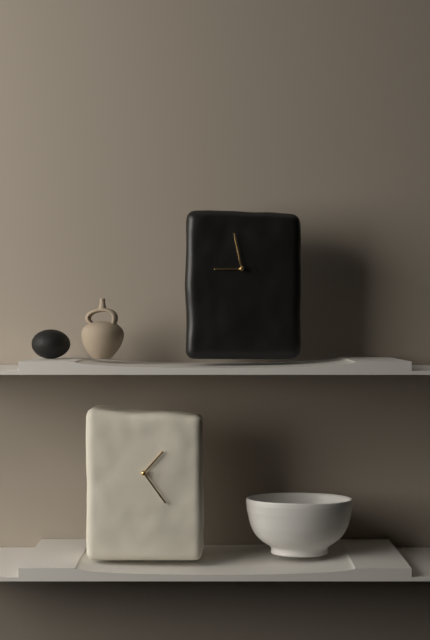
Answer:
8 h 58 min
